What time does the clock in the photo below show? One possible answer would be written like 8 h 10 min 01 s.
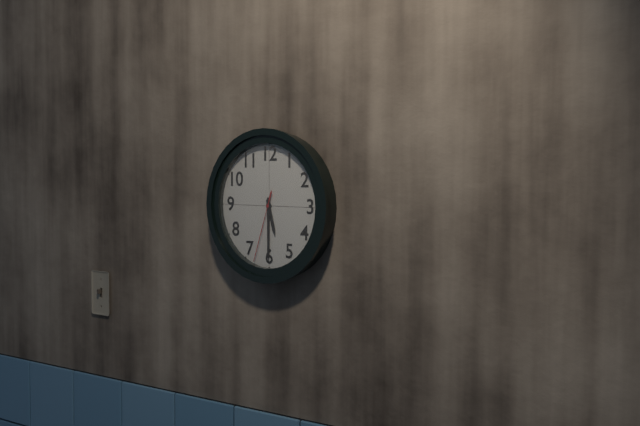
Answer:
5 h 30 min 33 s
